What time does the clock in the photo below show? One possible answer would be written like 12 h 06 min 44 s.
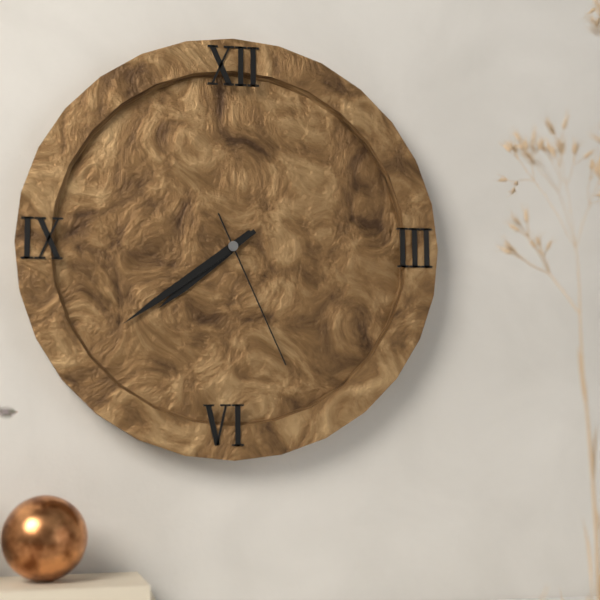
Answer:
7 h 39 min 26 s
